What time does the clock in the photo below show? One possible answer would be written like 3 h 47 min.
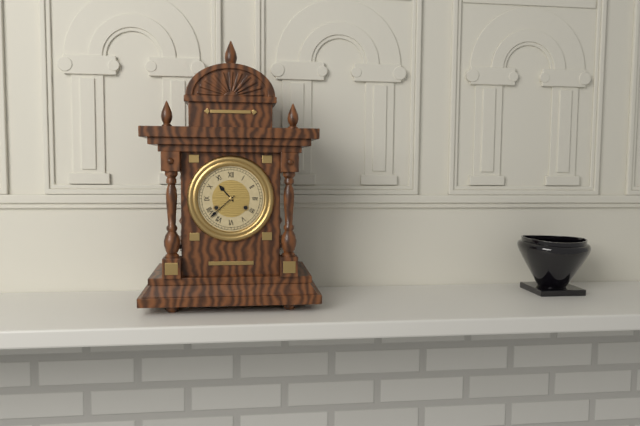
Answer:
10 h 38 min
